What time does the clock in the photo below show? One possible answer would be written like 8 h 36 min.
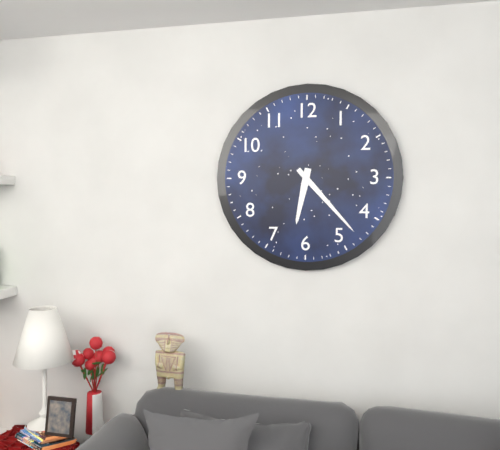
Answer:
6 h 23 min
